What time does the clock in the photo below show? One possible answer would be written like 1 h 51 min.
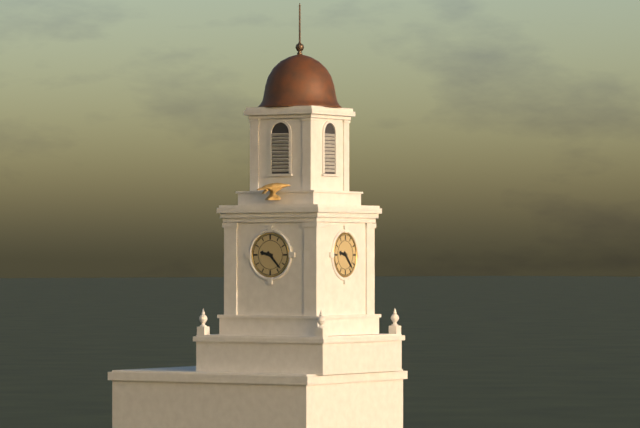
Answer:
9 h 23 min
